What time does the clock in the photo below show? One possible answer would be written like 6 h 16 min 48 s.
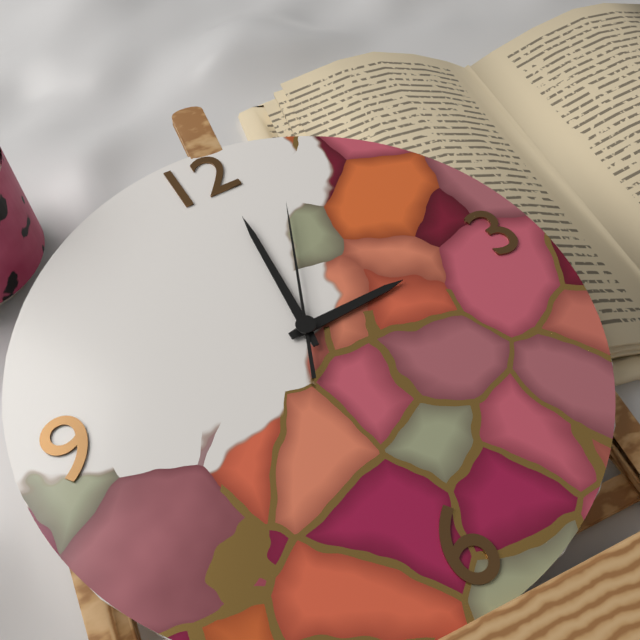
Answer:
3 h 01 min 04 s
